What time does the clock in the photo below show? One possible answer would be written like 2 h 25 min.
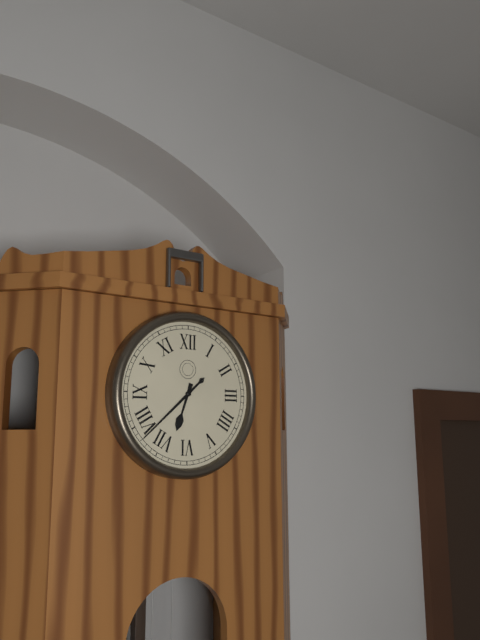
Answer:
6 h 38 min
